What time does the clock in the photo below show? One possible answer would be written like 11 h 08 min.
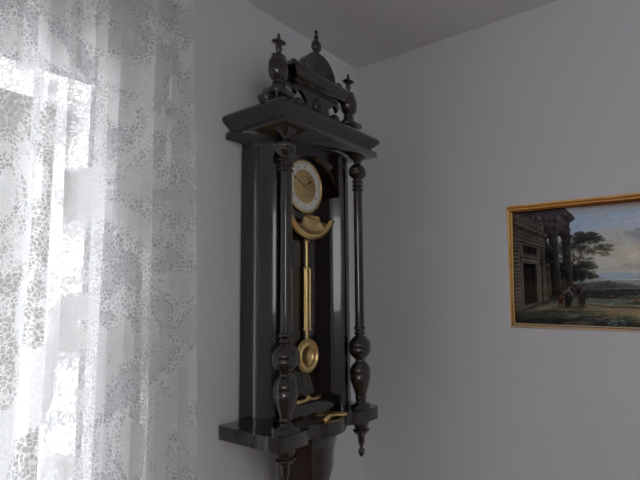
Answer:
1 h 49 min
